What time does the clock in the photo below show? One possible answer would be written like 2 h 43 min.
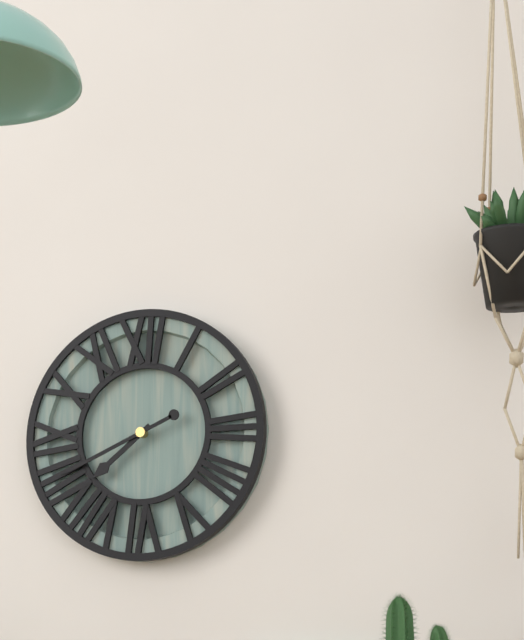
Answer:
7 h 41 min
